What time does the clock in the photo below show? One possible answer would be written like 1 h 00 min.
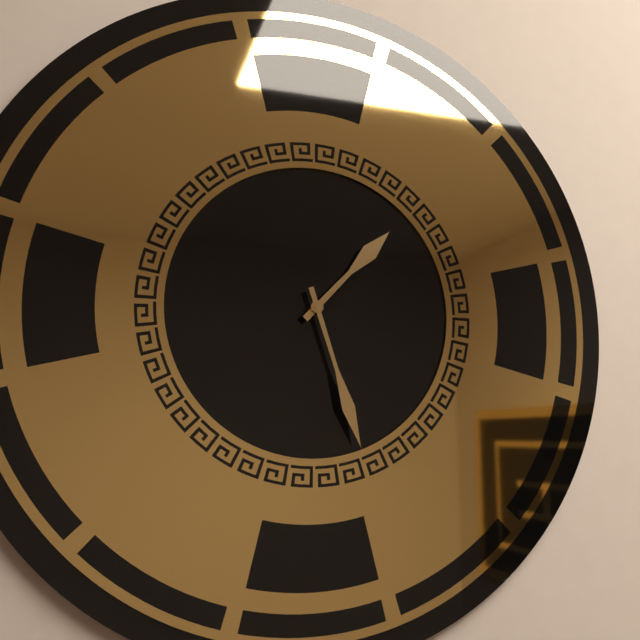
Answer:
1 h 27 min
